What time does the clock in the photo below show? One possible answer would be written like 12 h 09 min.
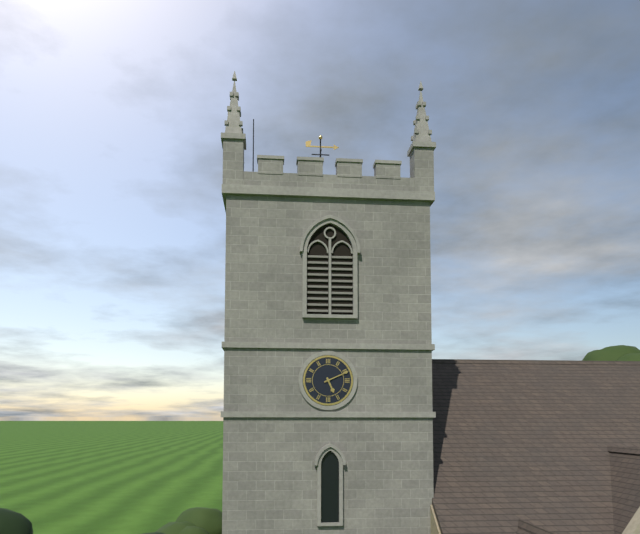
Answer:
5 h 11 min
